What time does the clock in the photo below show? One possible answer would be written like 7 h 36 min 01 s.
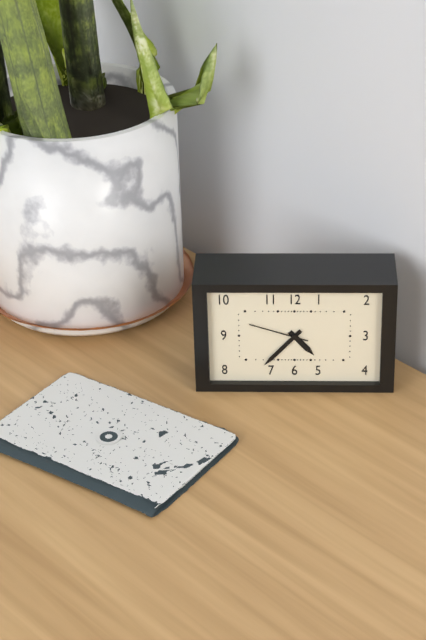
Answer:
4 h 37 min 48 s
